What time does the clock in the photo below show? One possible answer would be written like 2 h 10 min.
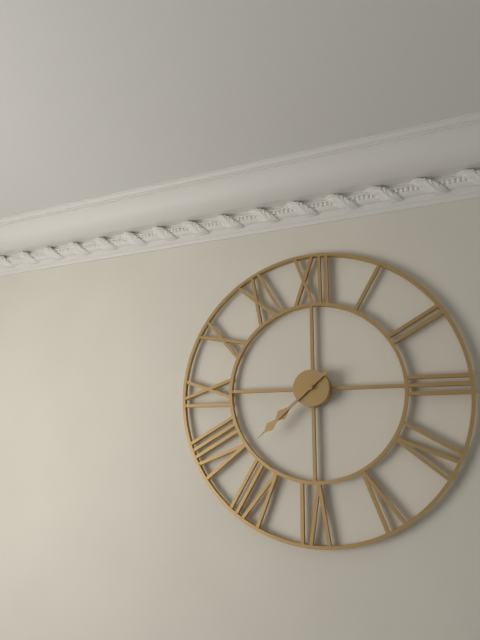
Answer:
7 h 38 min
